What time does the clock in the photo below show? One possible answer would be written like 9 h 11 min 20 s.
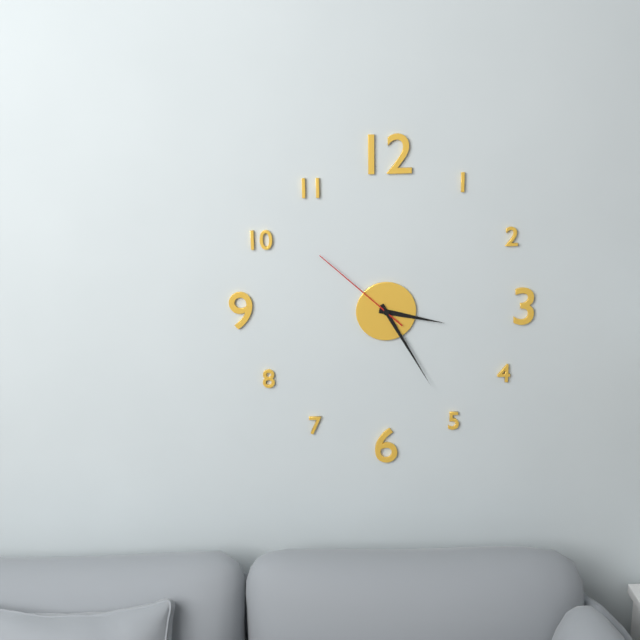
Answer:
3 h 25 min 52 s
